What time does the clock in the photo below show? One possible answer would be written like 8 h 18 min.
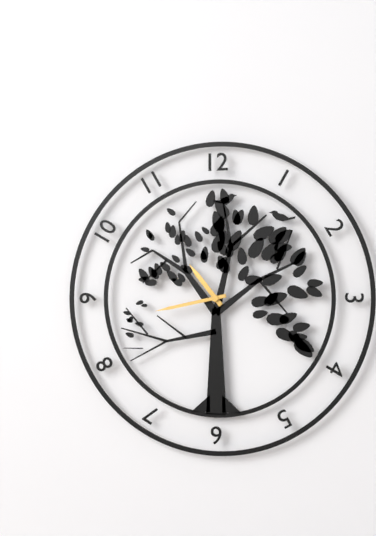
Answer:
10 h 43 min
